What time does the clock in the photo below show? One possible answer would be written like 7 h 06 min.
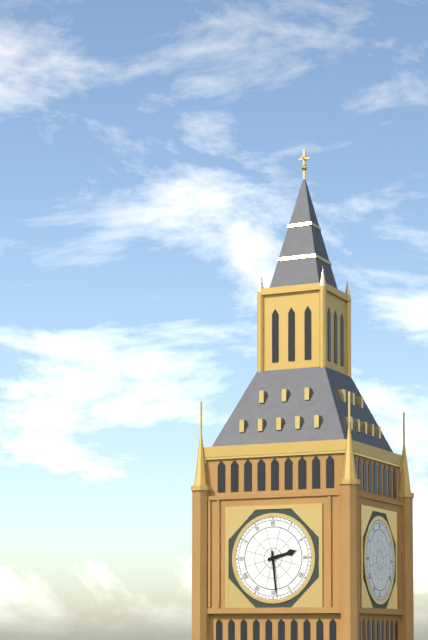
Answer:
2 h 29 min
